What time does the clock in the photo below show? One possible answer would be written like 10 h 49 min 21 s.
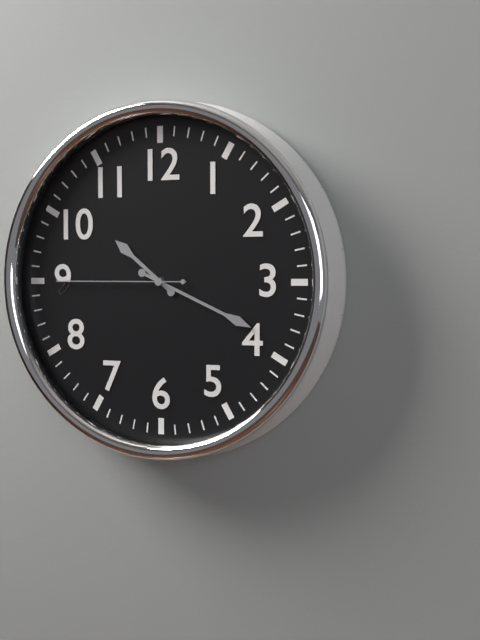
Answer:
10 h 19 min 45 s
